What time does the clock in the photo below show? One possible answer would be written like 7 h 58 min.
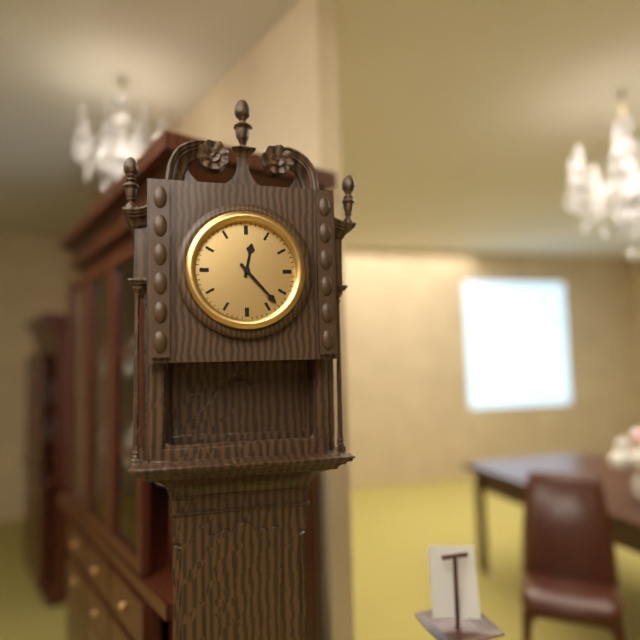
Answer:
12 h 23 min
